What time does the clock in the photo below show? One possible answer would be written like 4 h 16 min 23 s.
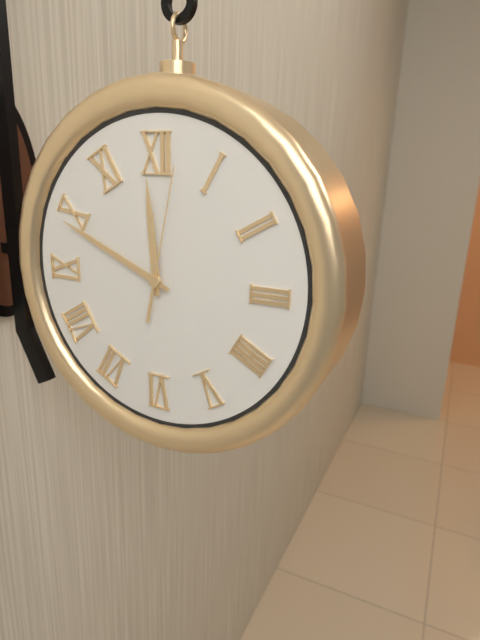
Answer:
11 h 49 min 02 s
